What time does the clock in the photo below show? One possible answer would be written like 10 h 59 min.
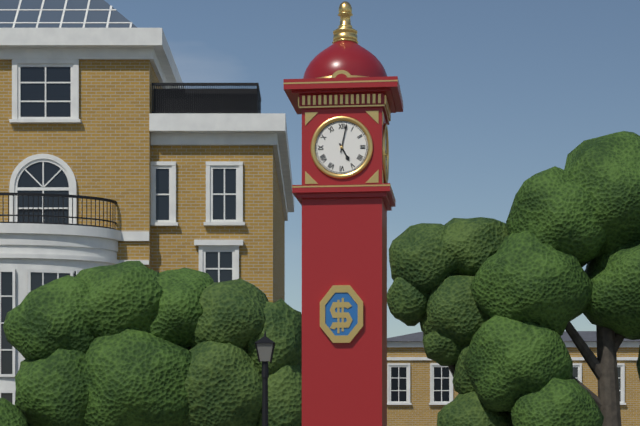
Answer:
5 h 02 min
